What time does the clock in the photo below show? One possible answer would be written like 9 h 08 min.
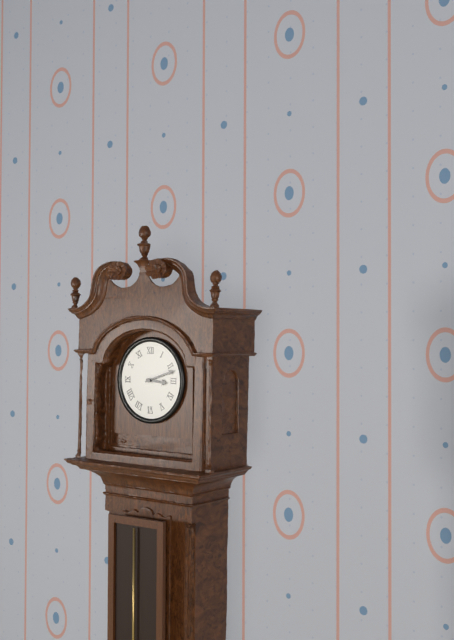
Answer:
3 h 12 min
